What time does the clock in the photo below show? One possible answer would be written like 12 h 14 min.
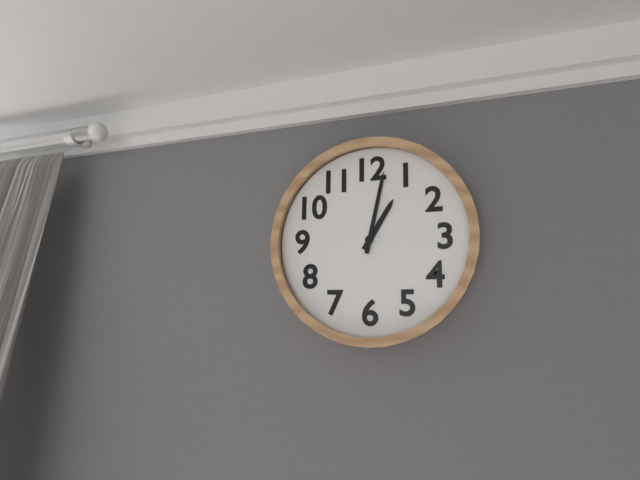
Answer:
1 h 02 min
